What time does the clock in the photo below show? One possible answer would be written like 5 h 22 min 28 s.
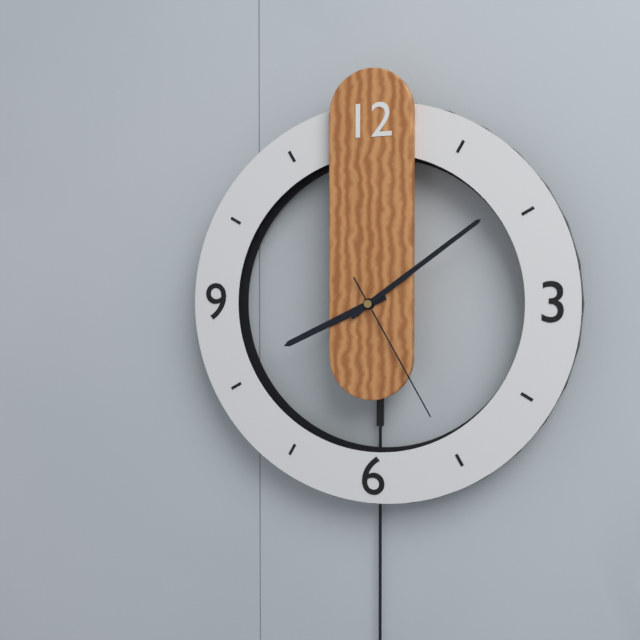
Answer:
8 h 09 min 25 s
